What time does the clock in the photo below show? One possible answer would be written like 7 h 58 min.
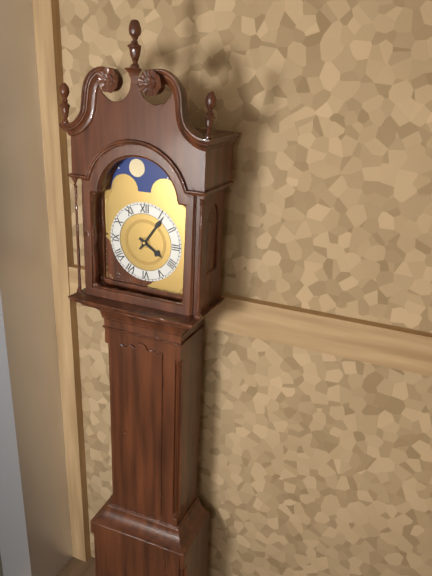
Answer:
4 h 06 min
